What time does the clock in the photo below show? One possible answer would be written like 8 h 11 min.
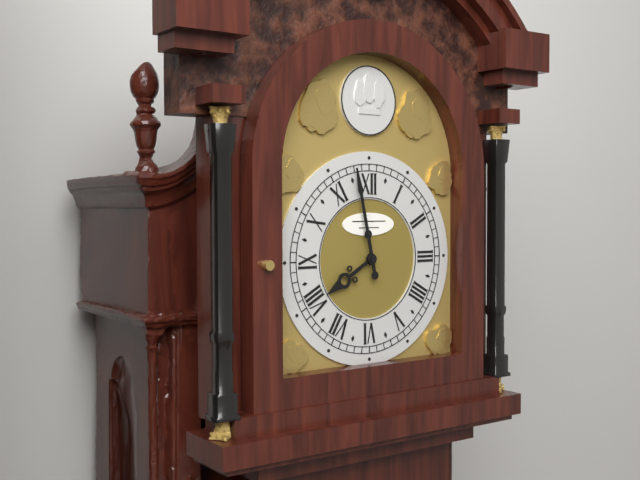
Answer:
7 h 58 min
